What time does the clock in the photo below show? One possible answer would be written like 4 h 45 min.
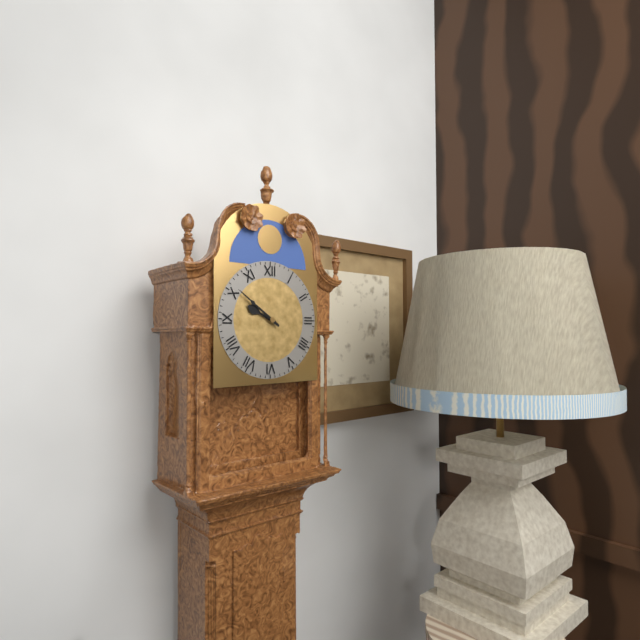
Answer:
9 h 51 min
